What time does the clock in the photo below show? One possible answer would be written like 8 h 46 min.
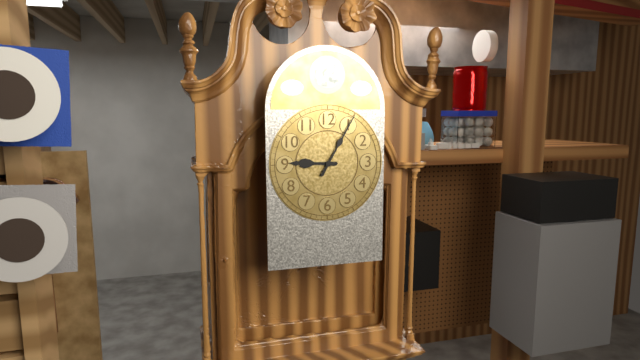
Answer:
9 h 05 min
